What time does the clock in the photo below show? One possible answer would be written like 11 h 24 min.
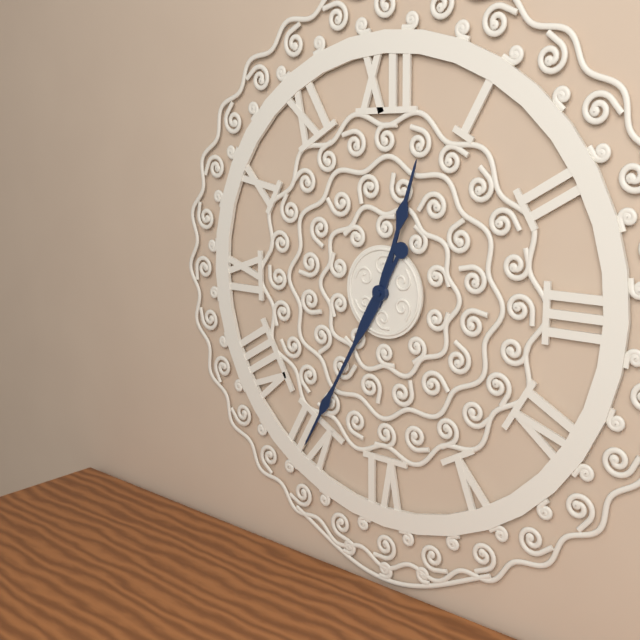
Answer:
12 h 35 min
